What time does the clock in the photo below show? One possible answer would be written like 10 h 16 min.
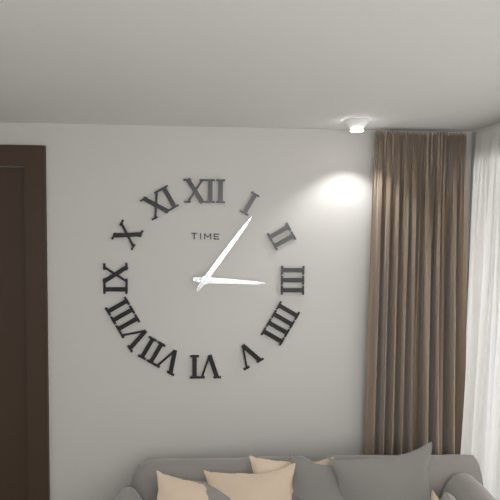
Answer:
3 h 06 min
